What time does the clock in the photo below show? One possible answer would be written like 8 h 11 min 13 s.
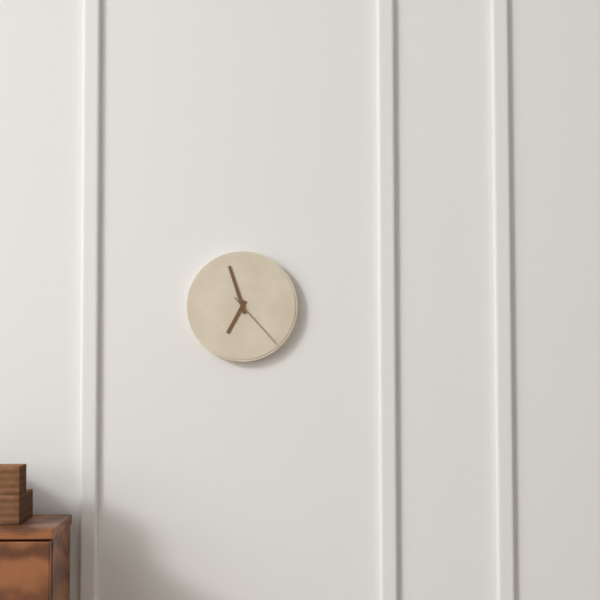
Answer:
6 h 57 min 23 s
